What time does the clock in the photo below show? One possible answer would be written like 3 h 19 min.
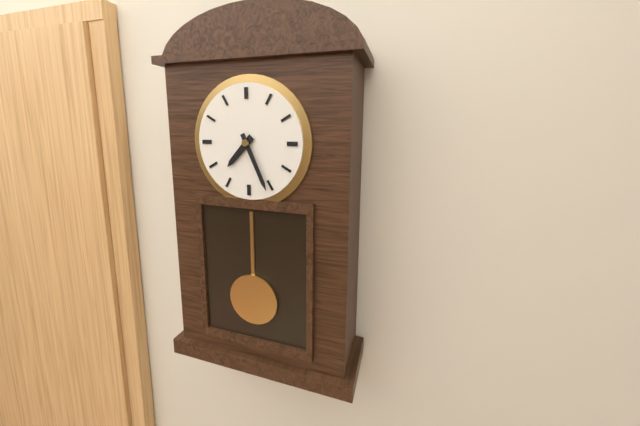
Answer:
7 h 26 min
